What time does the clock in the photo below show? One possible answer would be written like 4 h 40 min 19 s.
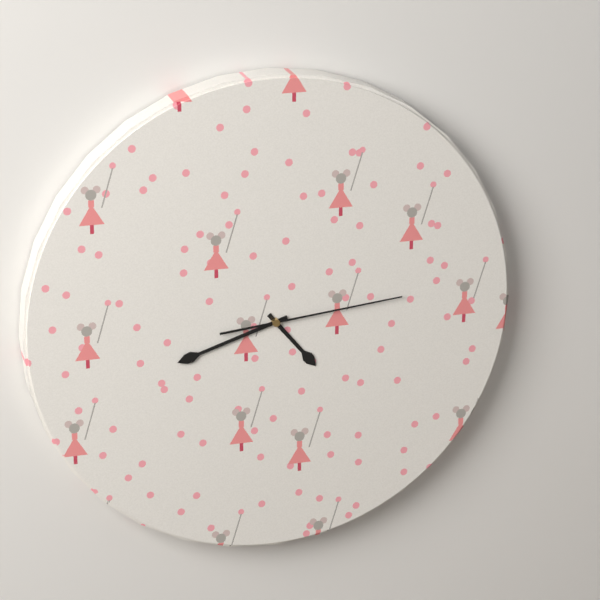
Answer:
4 h 42 min 14 s
